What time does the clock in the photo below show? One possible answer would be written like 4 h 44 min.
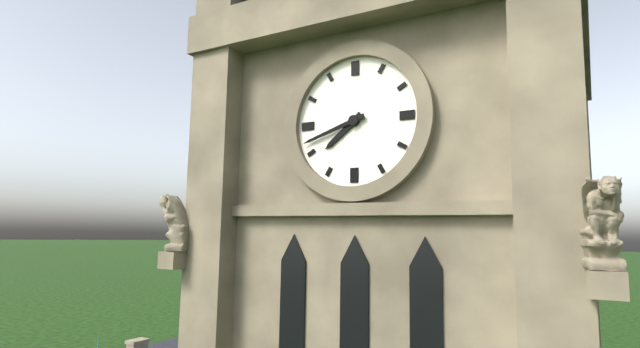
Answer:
7 h 42 min
